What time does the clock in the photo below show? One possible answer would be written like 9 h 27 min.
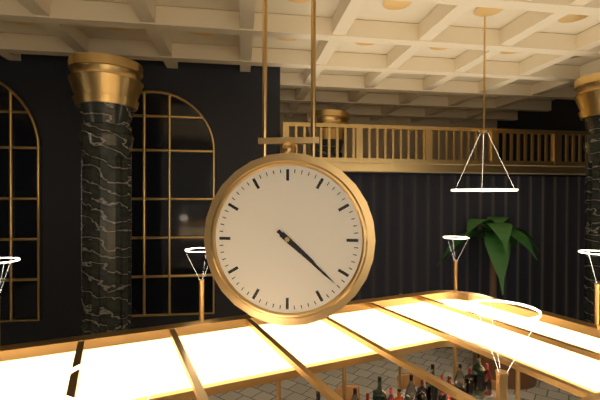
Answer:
4 h 22 min
